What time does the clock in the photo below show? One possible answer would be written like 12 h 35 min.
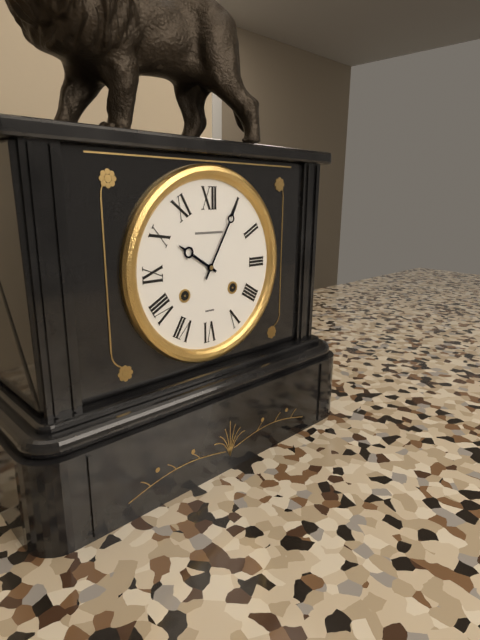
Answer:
10 h 05 min
